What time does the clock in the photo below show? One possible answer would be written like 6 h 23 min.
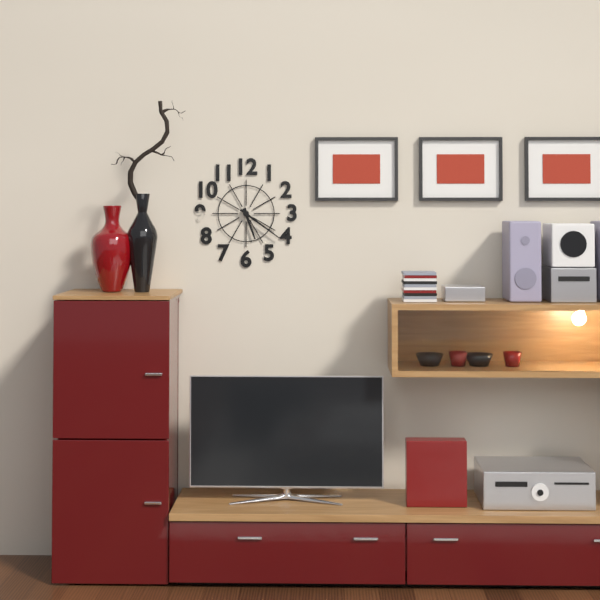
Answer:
5 h 21 min
